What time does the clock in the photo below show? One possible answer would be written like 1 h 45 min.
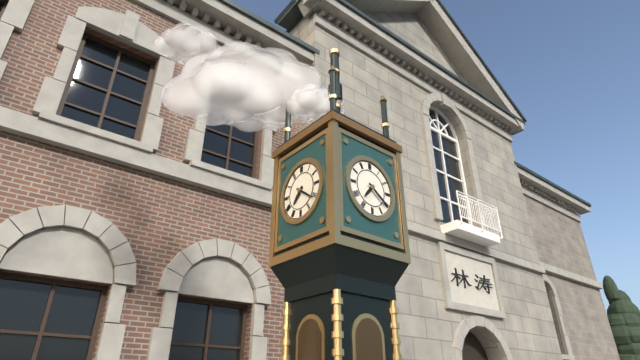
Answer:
7 h 21 min
